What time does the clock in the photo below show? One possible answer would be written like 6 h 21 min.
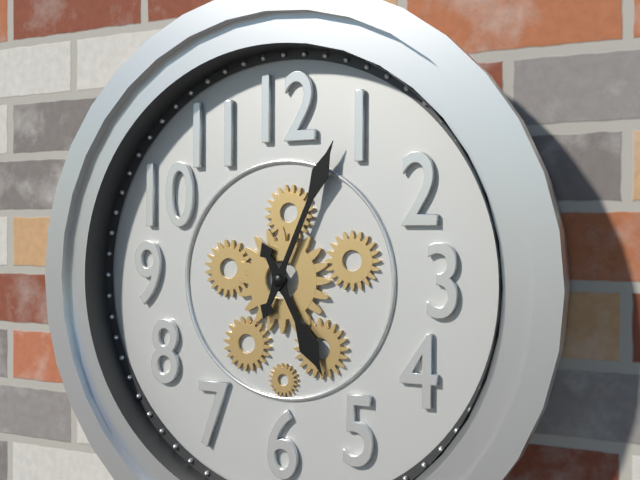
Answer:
5 h 04 min
